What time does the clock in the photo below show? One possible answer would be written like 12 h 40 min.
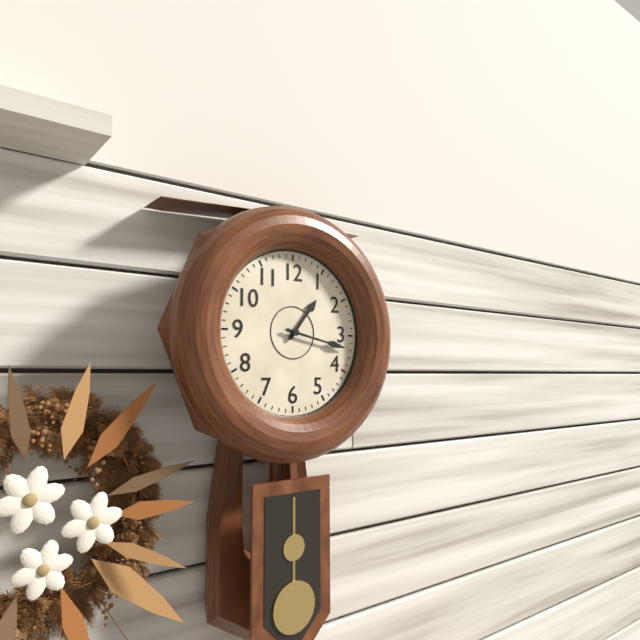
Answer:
1 h 17 min
